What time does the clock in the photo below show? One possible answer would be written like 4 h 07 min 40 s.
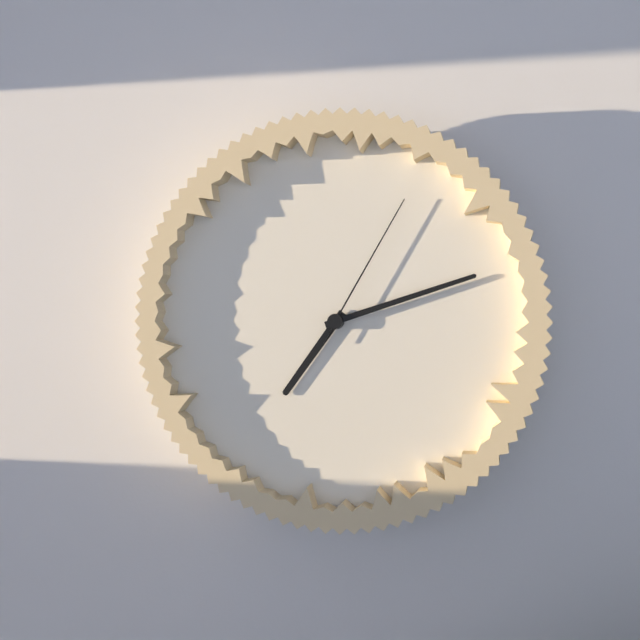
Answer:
7 h 12 min 05 s
